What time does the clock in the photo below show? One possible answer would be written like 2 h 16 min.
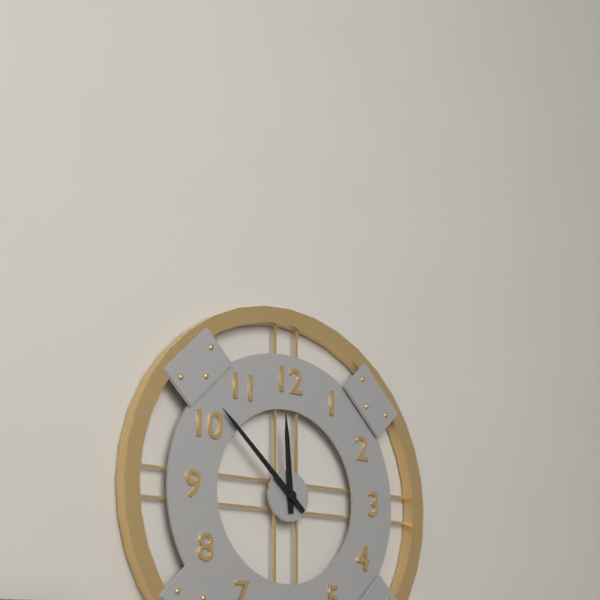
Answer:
11 h 52 min
